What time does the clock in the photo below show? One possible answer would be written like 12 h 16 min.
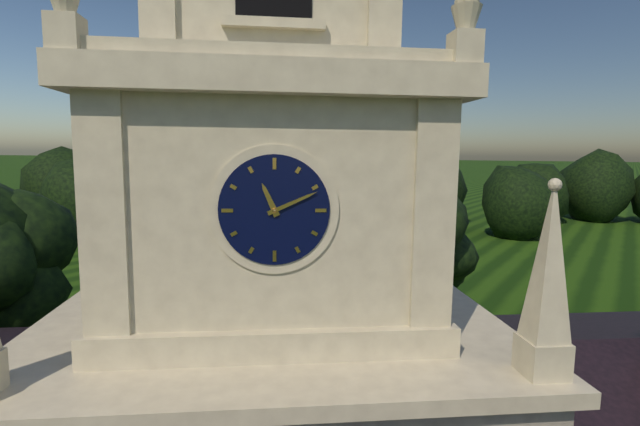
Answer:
11 h 11 min
